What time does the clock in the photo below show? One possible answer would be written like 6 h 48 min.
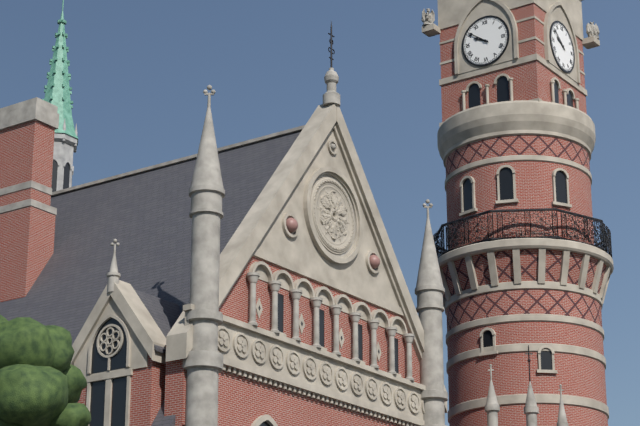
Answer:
9 h 51 min
